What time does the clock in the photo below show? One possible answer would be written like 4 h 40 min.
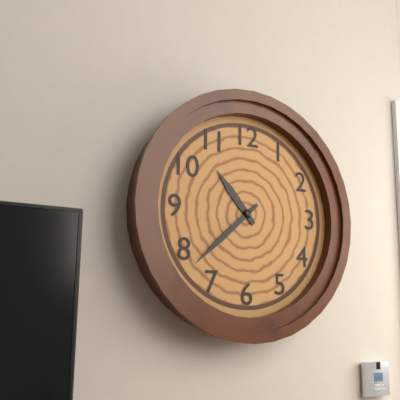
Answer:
10 h 38 min
